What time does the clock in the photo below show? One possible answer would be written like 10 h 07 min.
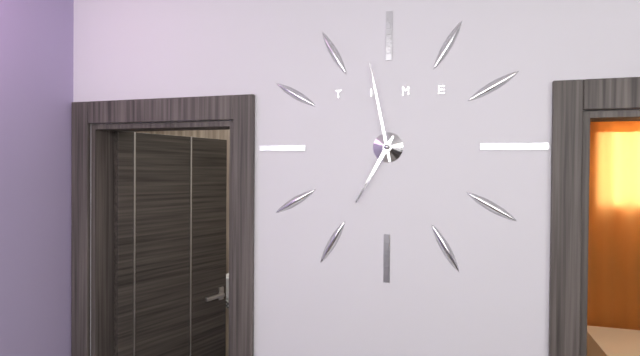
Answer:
6 h 58 min
